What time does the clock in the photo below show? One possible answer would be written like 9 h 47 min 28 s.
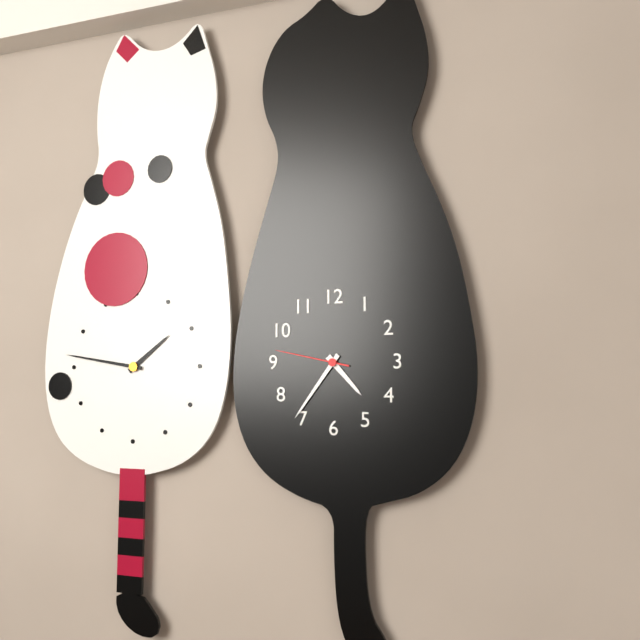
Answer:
4 h 36 min 47 s
